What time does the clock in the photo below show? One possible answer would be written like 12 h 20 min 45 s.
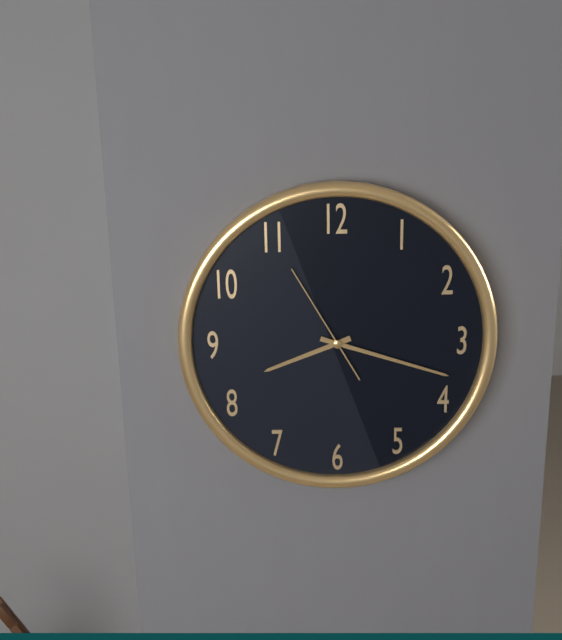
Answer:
8 h 18 min 55 s
